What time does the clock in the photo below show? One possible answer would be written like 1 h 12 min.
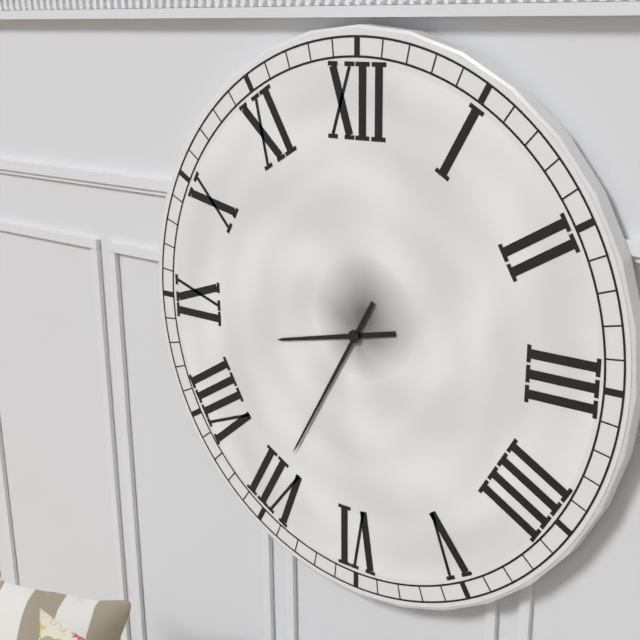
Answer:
8 h 35 min
